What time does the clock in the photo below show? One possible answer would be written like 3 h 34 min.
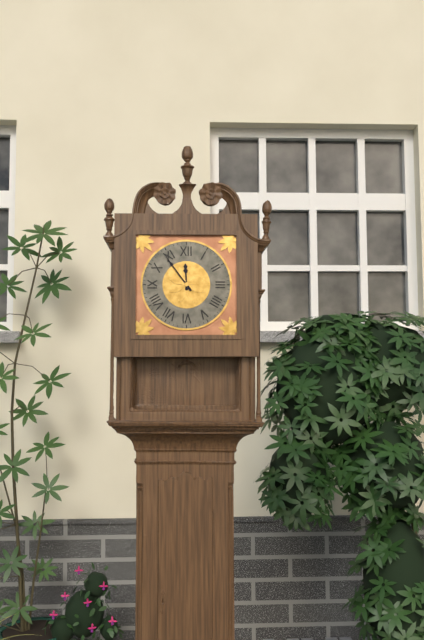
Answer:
11 h 54 min
